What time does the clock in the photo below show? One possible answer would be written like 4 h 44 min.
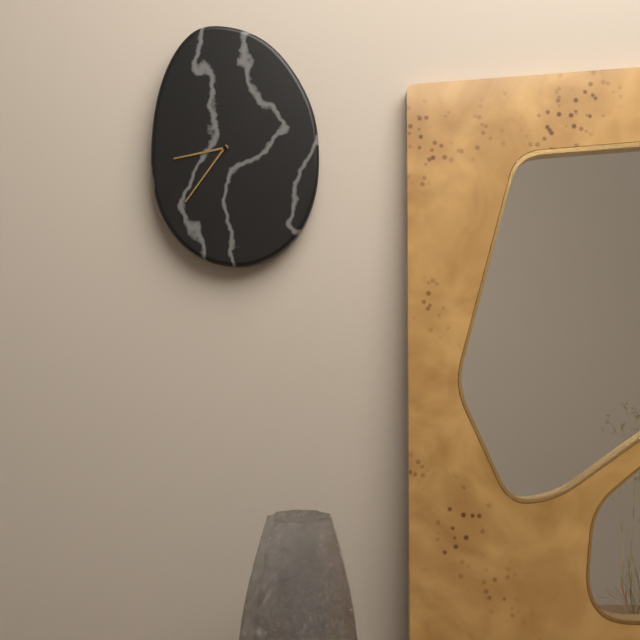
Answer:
8 h 36 min
